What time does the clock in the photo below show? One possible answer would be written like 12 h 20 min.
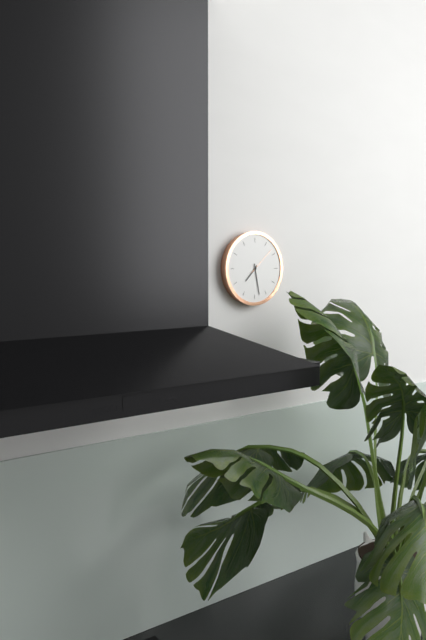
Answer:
7 h 28 min
